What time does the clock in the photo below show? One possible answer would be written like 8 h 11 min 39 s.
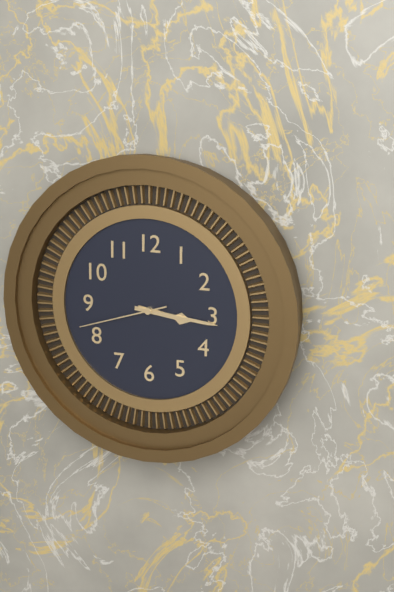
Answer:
3 h 16 min 42 s
